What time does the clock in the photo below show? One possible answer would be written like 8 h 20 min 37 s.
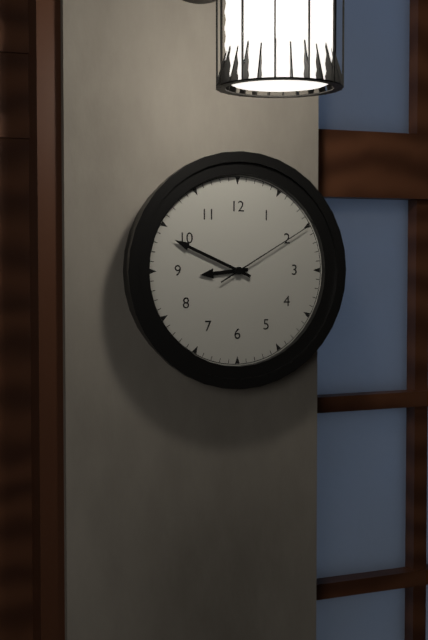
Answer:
8 h 49 min 10 s
